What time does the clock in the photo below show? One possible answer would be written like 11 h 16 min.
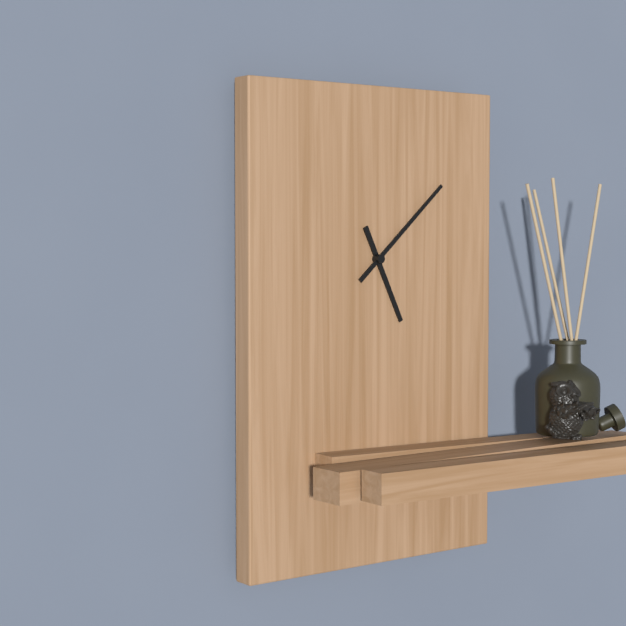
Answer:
5 h 08 min
